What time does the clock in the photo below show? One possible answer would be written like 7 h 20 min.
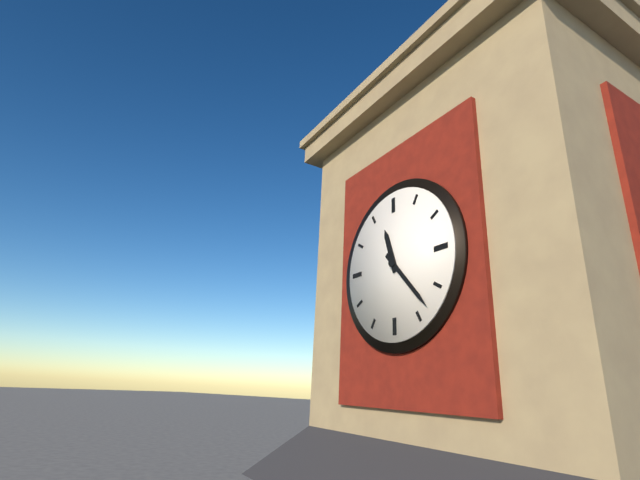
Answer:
11 h 23 min
